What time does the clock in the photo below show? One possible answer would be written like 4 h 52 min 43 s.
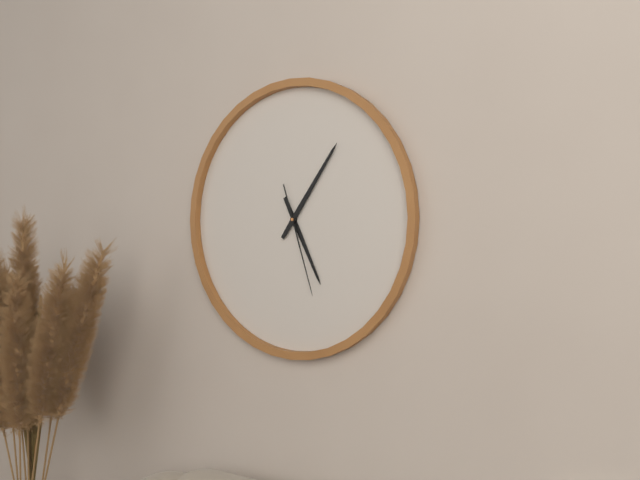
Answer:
5 h 06 min 27 s
